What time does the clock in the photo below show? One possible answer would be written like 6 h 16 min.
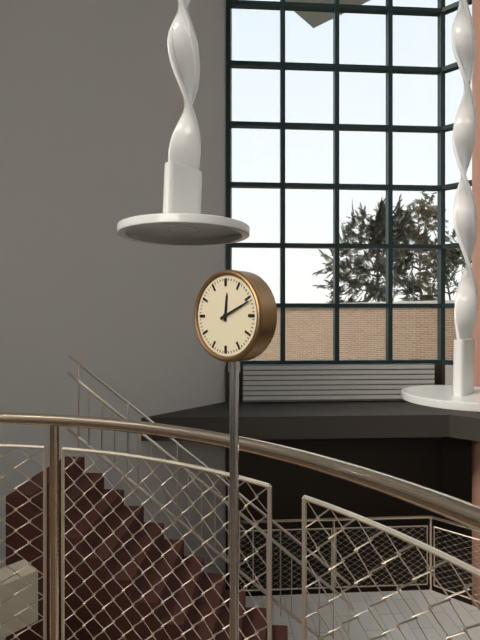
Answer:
12 h 11 min
